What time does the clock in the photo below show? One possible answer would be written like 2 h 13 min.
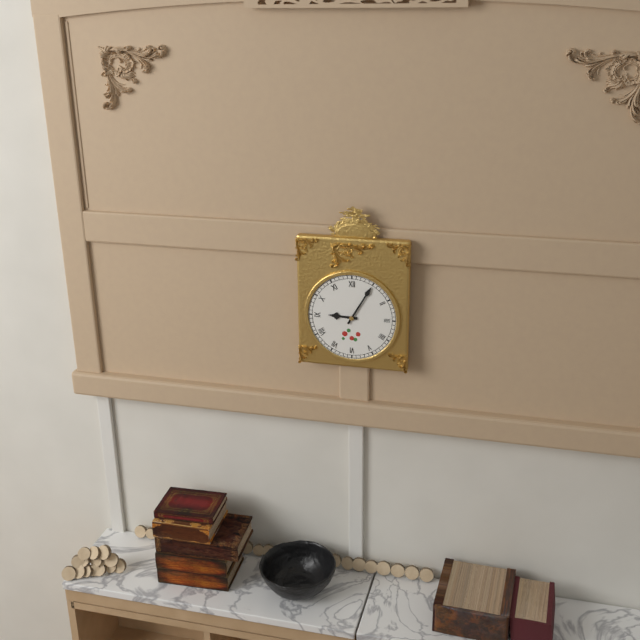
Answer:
9 h 05 min
